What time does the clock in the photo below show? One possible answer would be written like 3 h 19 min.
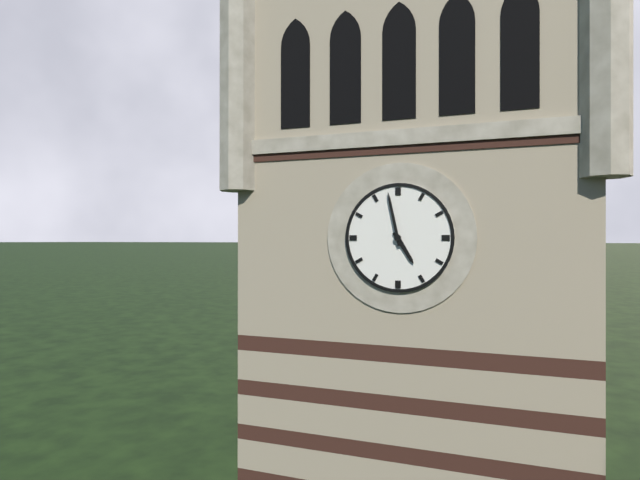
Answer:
4 h 58 min
